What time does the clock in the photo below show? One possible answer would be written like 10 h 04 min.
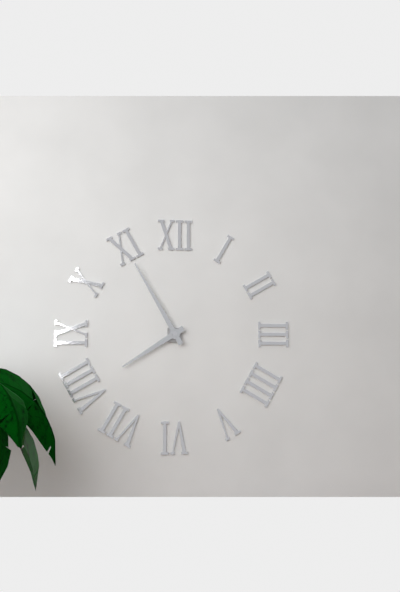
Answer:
7 h 55 min
